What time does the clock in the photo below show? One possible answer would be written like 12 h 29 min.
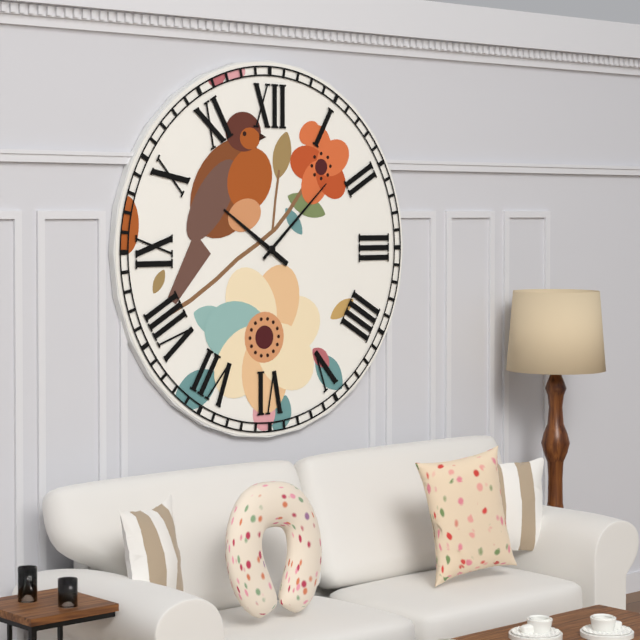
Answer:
10 h 08 min
